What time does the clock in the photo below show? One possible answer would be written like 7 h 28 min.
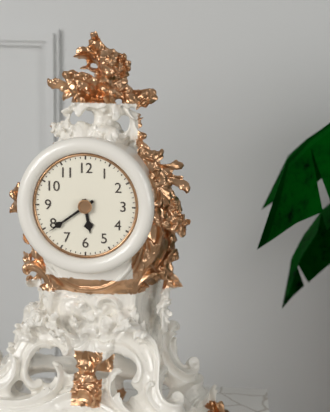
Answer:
5 h 39 min
